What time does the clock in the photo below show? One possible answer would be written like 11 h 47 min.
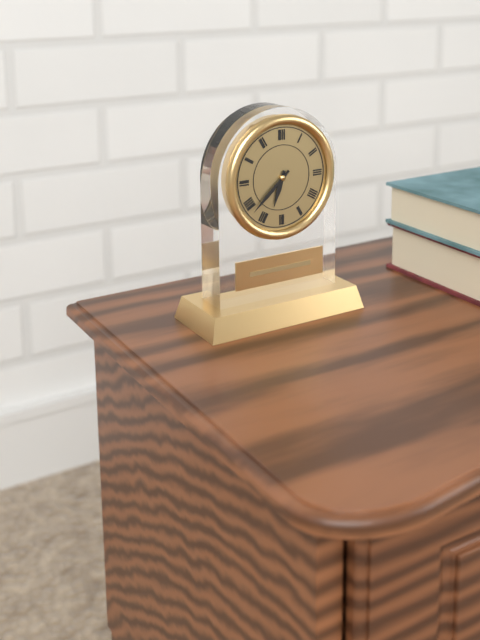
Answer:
6 h 38 min
